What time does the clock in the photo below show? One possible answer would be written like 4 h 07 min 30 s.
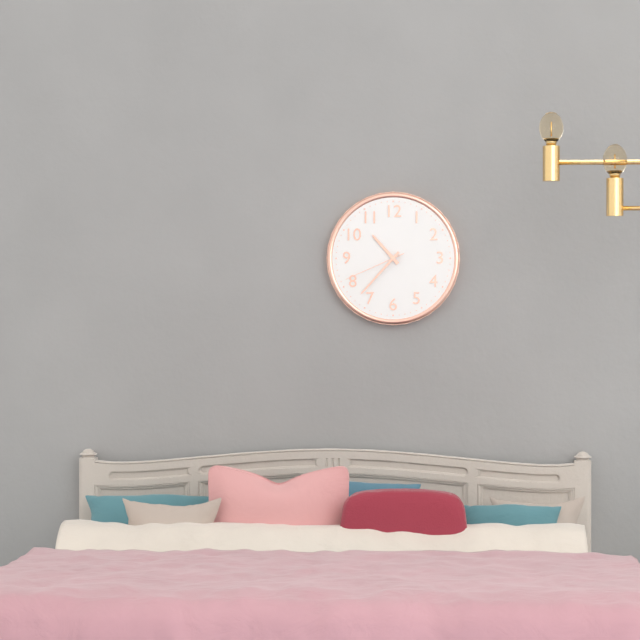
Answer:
10 h 37 min 41 s
